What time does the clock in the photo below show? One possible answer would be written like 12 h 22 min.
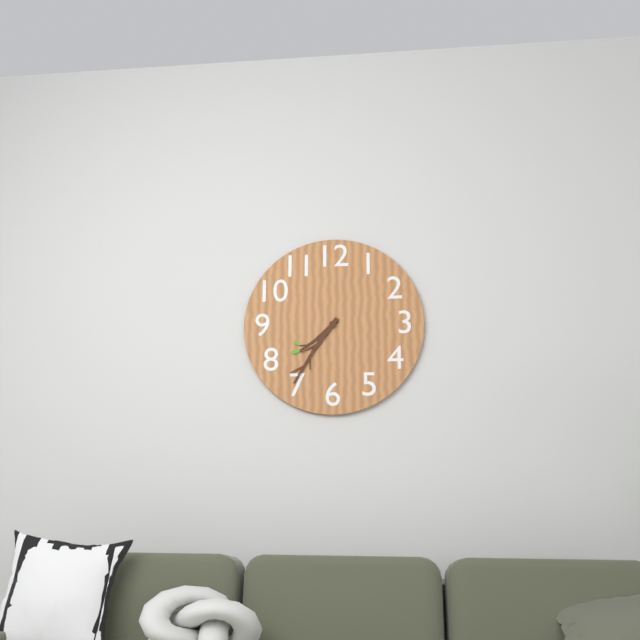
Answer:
7 h 36 min
